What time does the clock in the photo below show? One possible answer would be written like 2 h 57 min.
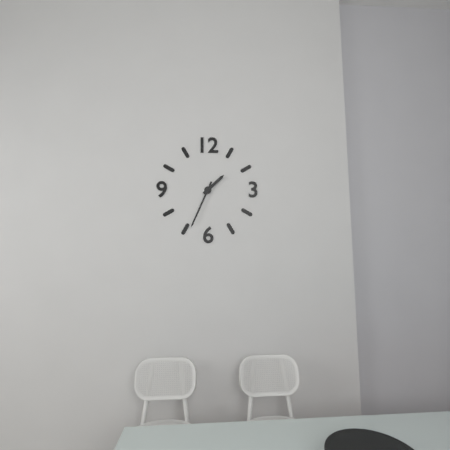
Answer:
1 h 34 min
